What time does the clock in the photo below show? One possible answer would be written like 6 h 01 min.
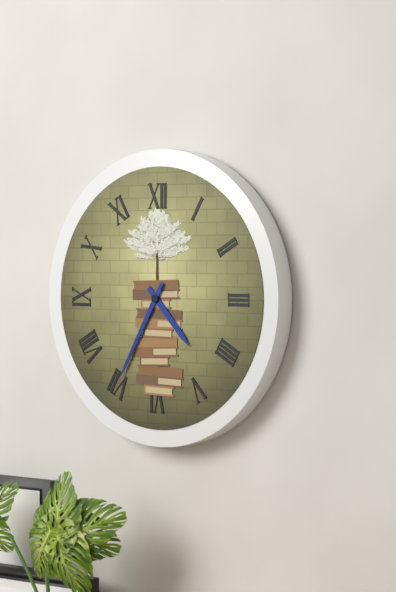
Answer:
4 h 35 min
